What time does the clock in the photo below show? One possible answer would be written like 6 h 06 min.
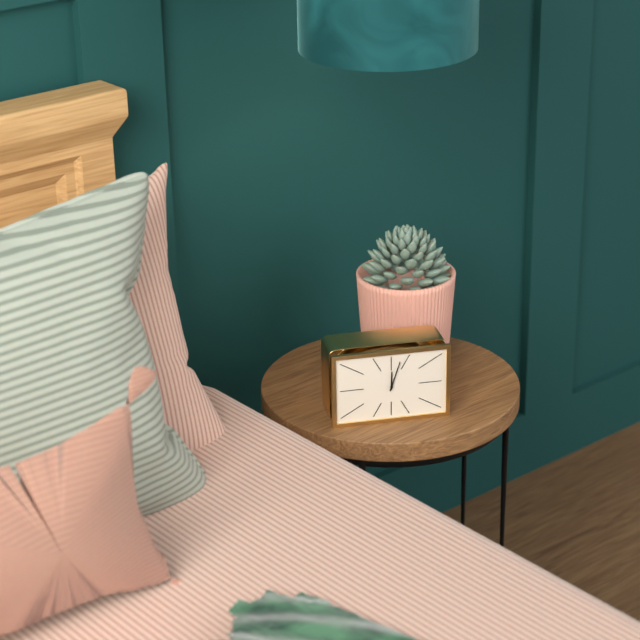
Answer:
12 h 03 min
